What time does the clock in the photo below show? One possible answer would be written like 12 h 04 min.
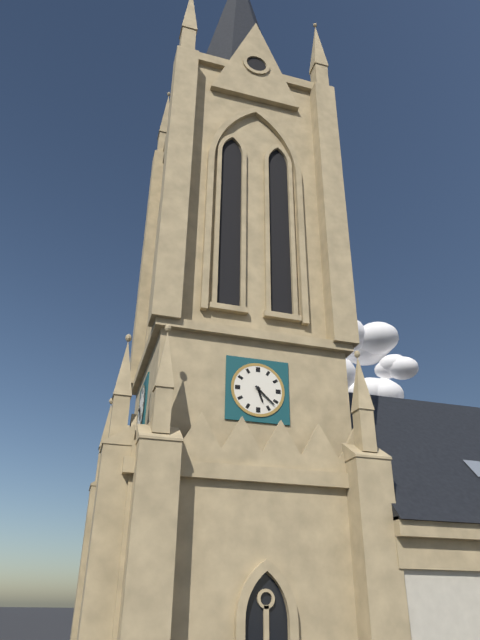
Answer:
5 h 22 min
